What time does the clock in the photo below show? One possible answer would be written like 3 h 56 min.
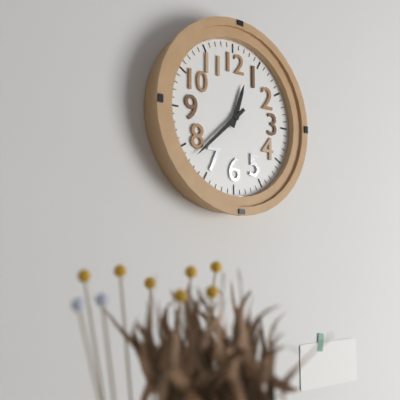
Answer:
12 h 38 min
